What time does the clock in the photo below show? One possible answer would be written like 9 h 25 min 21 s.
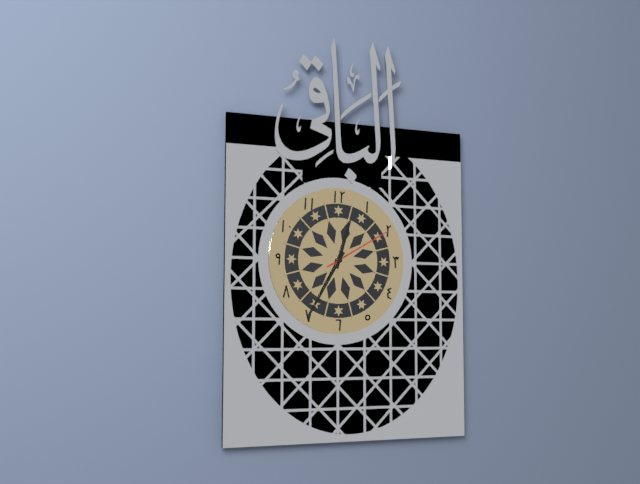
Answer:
12 h 35 min 10 s
